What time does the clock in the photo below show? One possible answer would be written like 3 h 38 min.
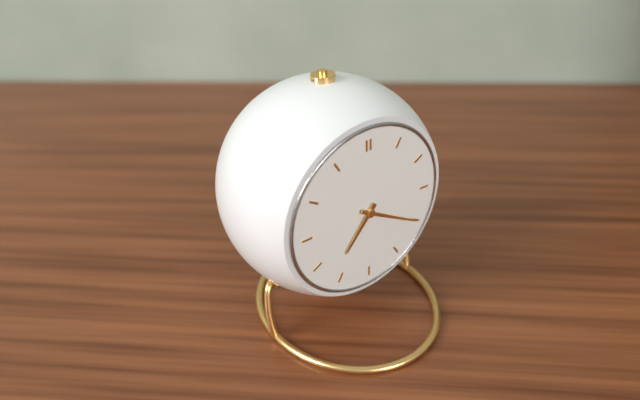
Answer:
7 h 20 min
